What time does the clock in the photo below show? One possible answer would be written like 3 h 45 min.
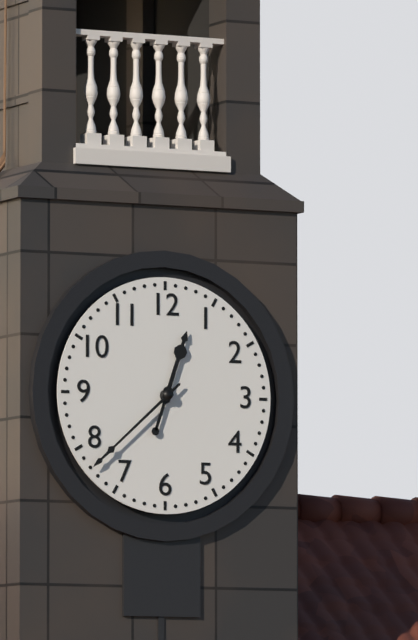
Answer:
12 h 38 min
